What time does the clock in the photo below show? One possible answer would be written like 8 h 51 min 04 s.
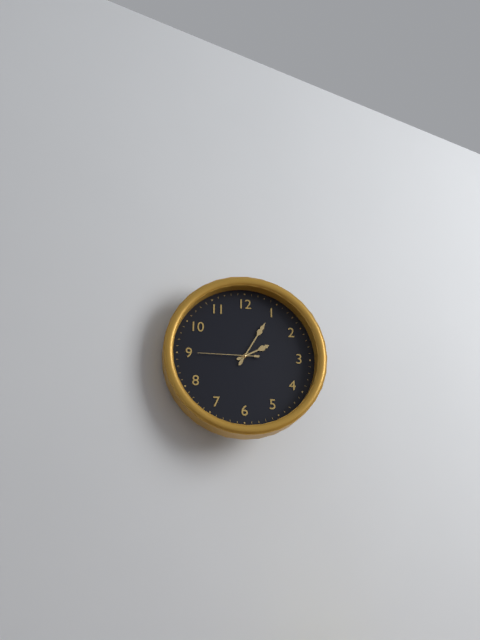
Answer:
2 h 05 min 45 s
